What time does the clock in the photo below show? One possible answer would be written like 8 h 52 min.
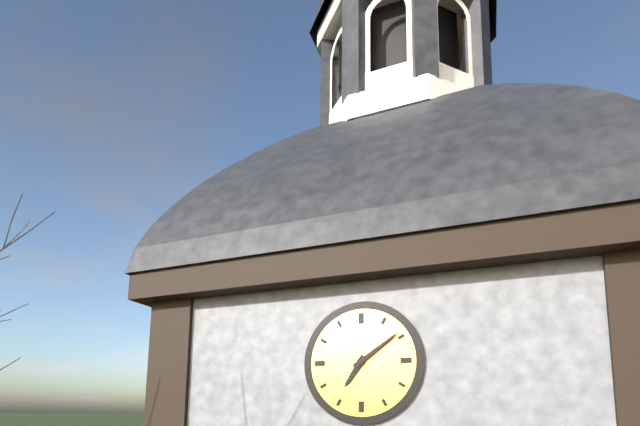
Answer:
7 h 09 min
